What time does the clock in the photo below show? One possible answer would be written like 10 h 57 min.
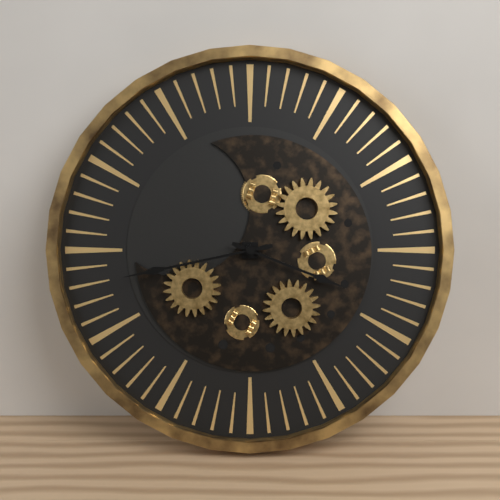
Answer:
3 h 43 min
